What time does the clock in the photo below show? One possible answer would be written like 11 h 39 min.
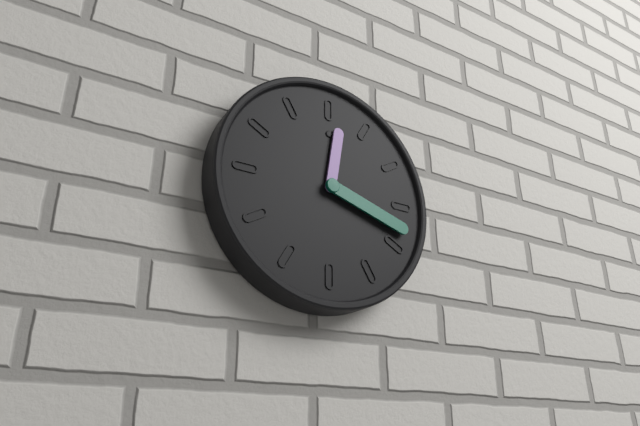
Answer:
12 h 18 min
